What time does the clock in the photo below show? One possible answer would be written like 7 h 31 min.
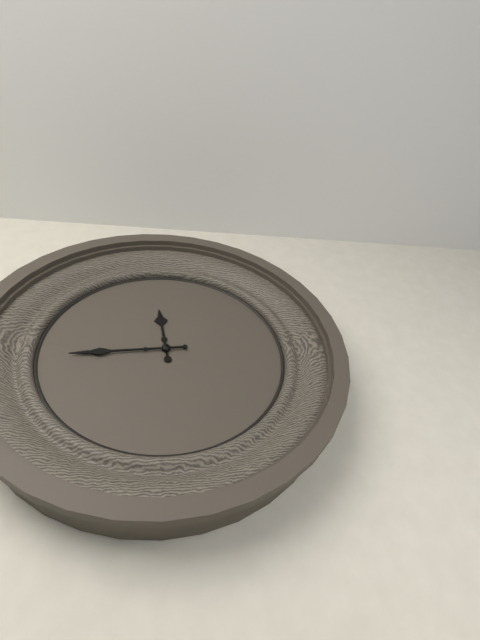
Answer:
11 h 44 min
